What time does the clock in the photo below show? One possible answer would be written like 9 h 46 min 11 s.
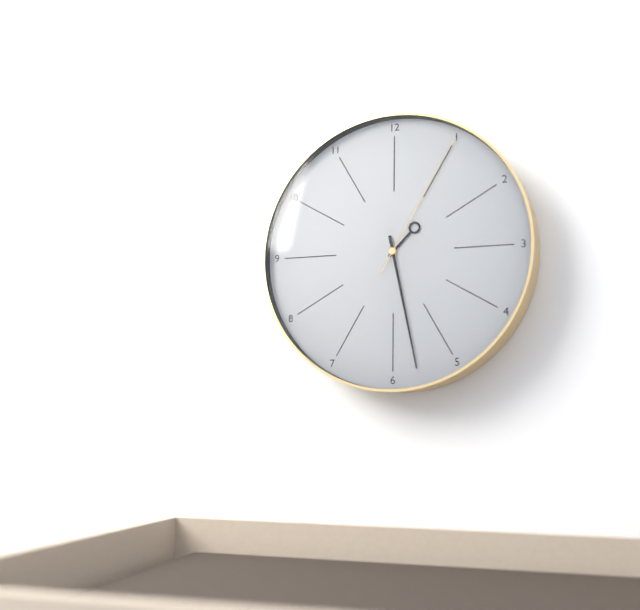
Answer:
1 h 28 min 05 s
